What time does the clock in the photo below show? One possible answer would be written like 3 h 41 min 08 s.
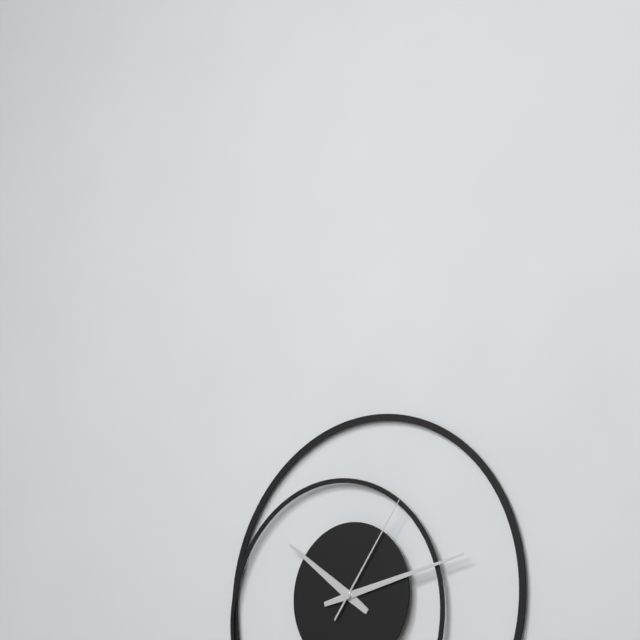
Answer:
10 h 13 min 06 s
